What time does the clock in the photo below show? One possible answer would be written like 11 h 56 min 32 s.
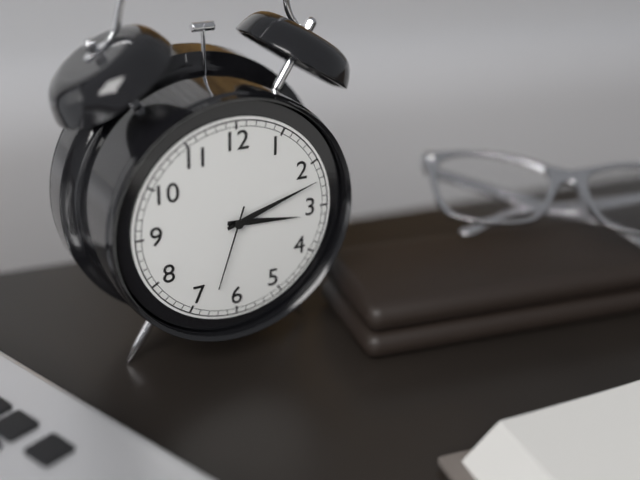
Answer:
3 h 12 min 33 s
